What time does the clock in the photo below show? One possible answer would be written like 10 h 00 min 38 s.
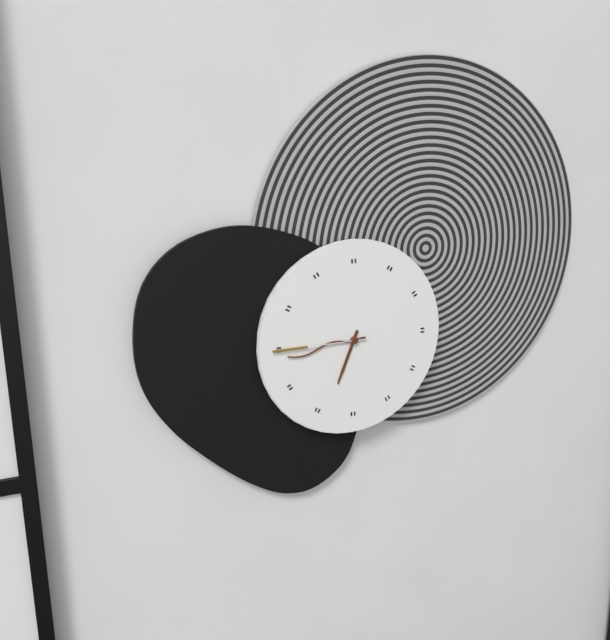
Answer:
6 h 44 min 45 s
